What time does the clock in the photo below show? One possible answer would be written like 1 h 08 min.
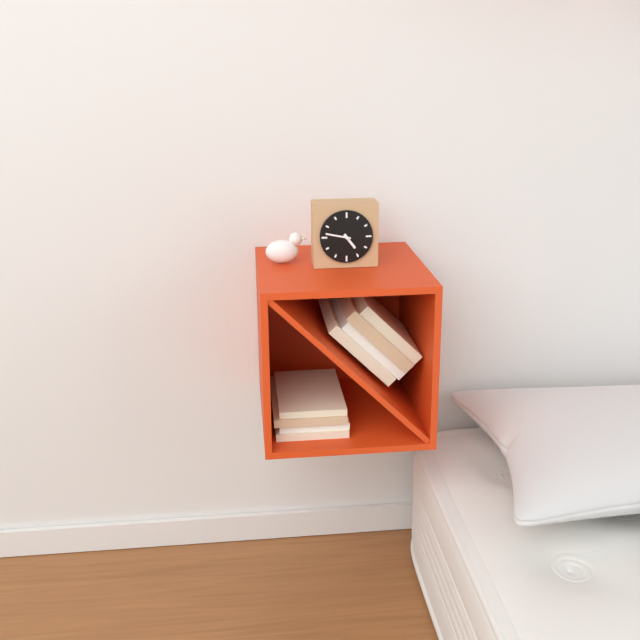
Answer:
4 h 47 min
